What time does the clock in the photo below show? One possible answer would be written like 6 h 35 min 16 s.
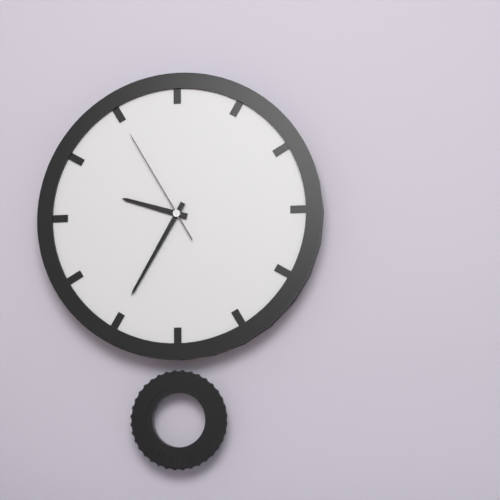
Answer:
9 h 35 min 55 s
